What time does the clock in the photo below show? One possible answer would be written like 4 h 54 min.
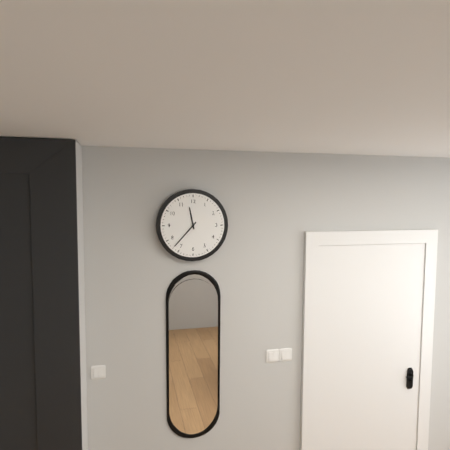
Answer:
11 h 37 min
